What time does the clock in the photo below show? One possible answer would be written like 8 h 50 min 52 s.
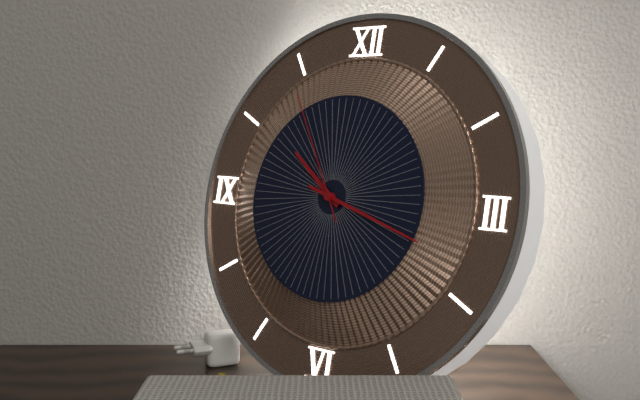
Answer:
10 h 18 min 55 s
